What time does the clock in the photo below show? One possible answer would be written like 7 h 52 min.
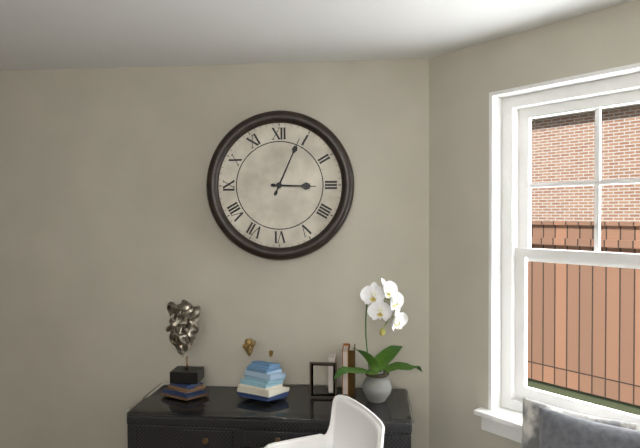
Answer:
3 h 04 min
